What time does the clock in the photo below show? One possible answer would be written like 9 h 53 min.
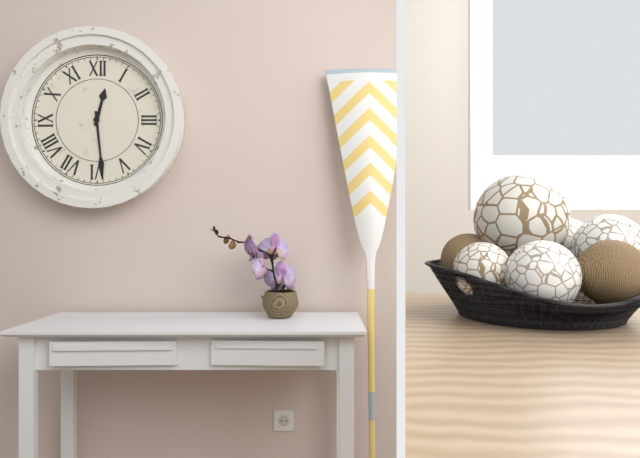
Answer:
12 h 29 min
